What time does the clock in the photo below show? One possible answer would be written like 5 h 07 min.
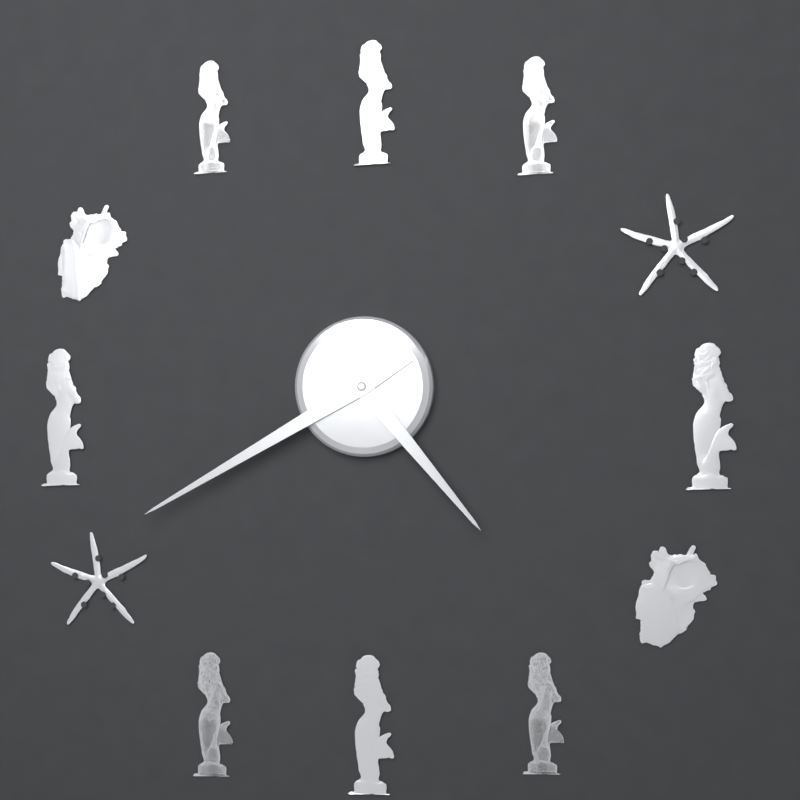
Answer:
4 h 40 min
